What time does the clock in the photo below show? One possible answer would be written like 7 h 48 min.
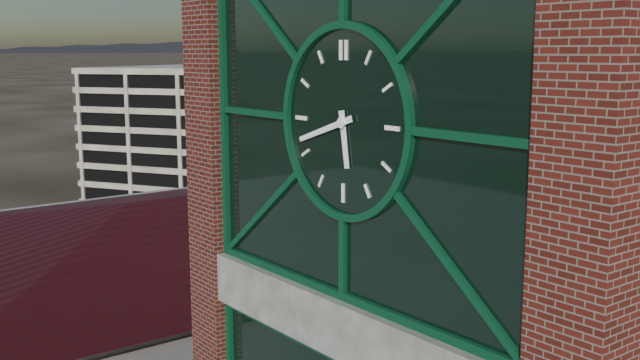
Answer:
5 h 42 min
